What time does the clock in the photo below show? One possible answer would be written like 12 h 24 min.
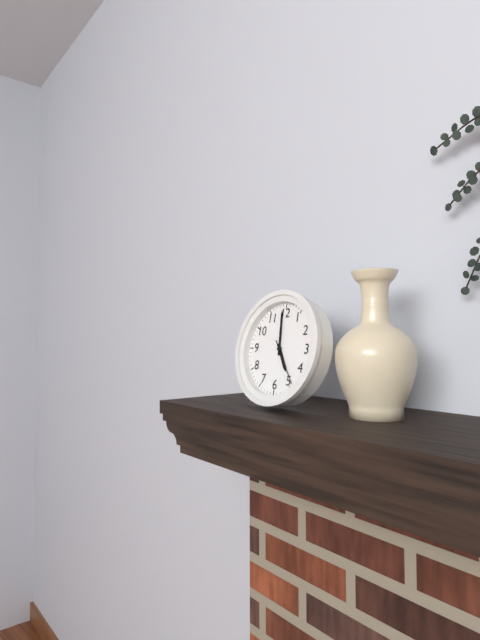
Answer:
4 h 59 min
